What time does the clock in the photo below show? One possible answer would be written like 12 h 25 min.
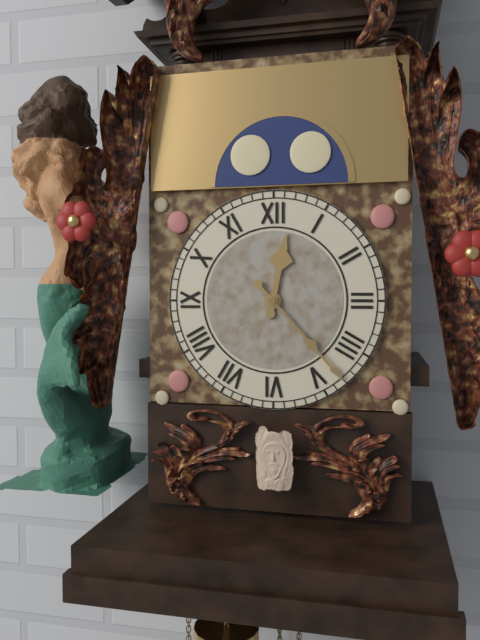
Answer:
12 h 23 min
